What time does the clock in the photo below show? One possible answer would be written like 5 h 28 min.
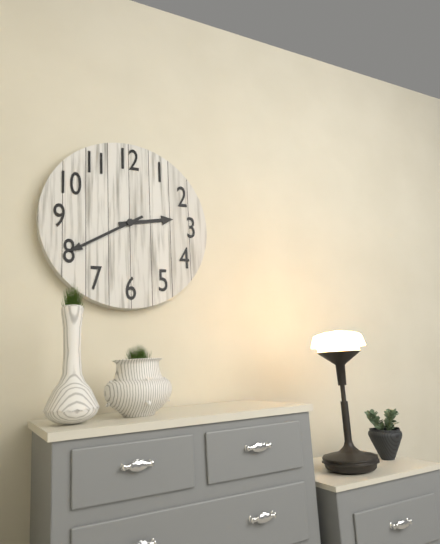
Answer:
2 h 40 min
